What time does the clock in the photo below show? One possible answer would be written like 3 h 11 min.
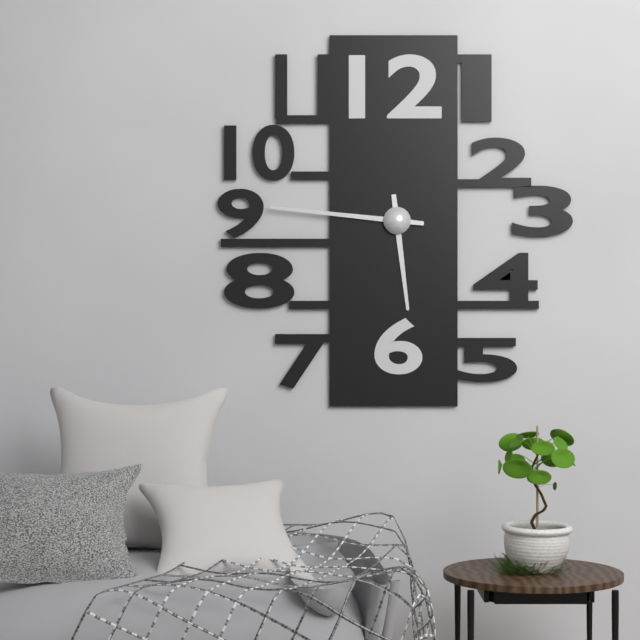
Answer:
5 h 46 min
